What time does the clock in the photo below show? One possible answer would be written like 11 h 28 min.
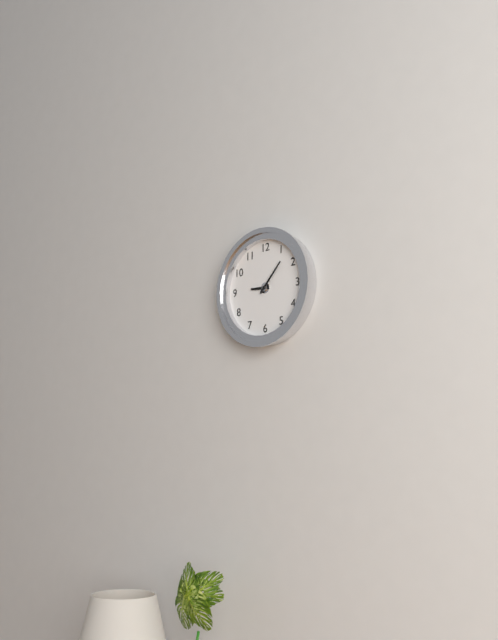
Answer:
9 h 07 min
